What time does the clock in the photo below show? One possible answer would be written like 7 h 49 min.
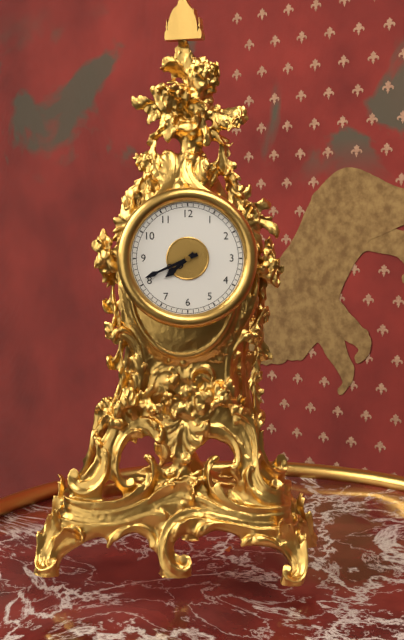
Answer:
7 h 41 min
